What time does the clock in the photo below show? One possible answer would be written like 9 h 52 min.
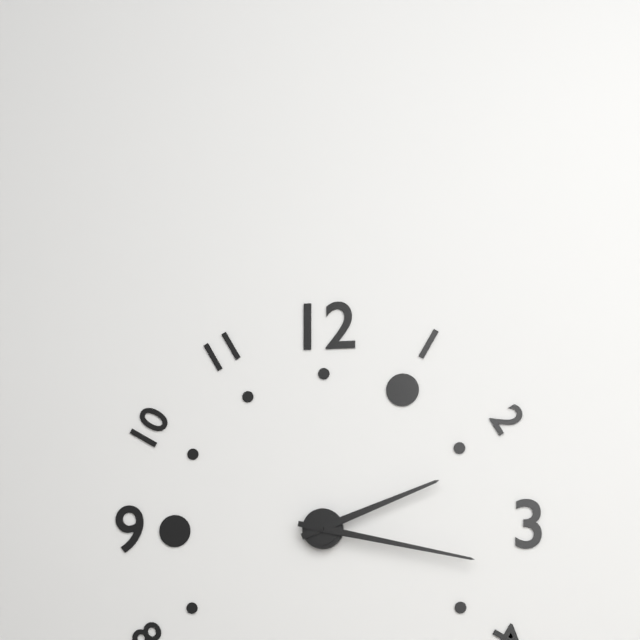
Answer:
2 h 17 min
